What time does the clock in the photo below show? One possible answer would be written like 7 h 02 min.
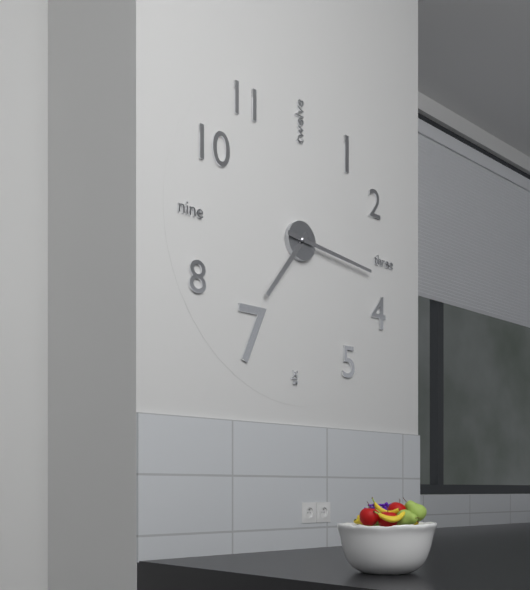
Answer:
7 h 16 min
